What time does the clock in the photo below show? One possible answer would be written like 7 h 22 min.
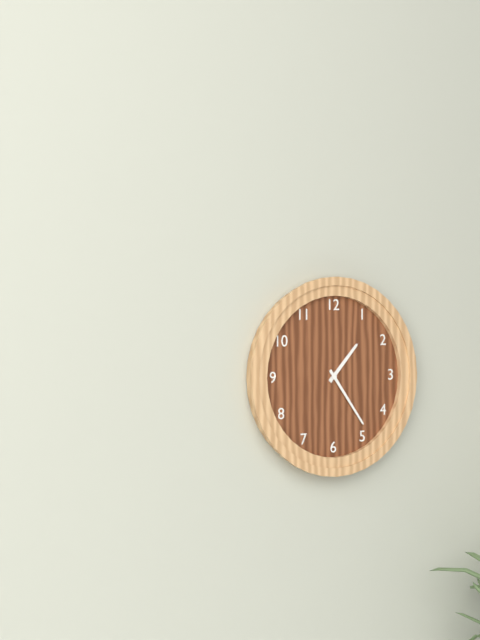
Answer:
1 h 24 min
